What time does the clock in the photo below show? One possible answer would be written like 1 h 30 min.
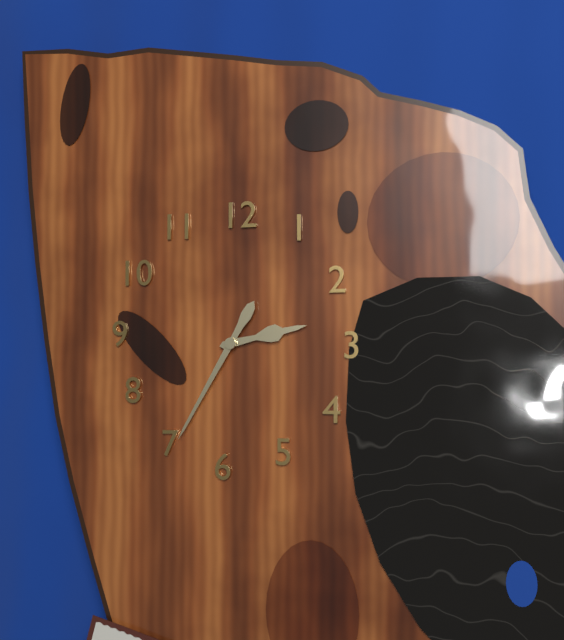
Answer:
2 h 35 min
